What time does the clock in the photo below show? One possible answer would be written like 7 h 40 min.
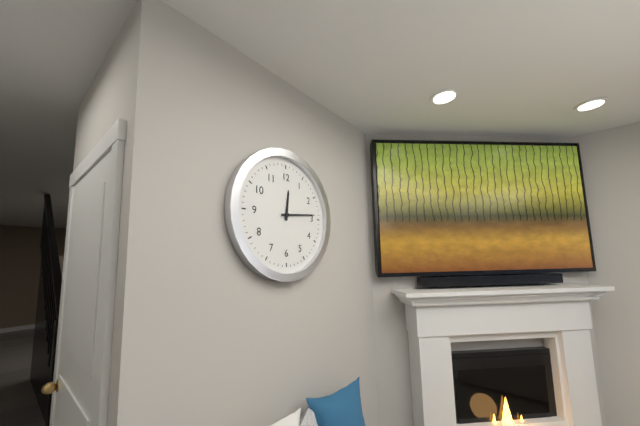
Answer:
12 h 14 min
